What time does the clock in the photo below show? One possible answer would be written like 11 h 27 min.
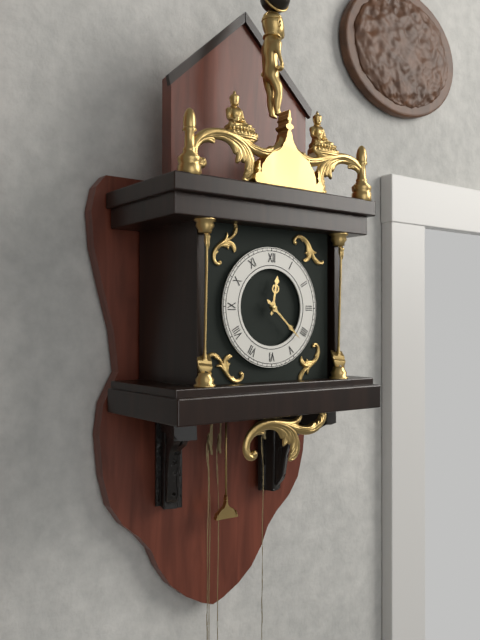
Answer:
12 h 22 min
